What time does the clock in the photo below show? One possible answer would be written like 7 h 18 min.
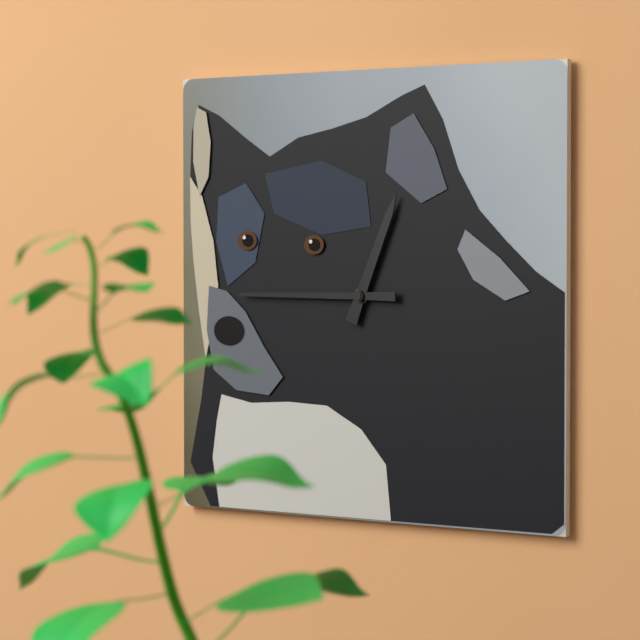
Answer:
12 h 45 min
